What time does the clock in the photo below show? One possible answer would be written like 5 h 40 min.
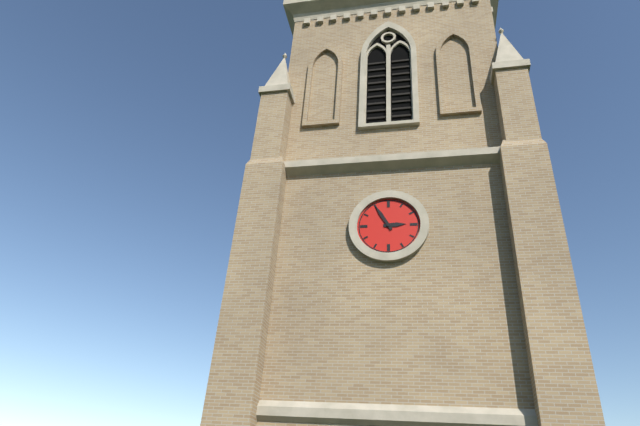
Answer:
2 h 55 min
